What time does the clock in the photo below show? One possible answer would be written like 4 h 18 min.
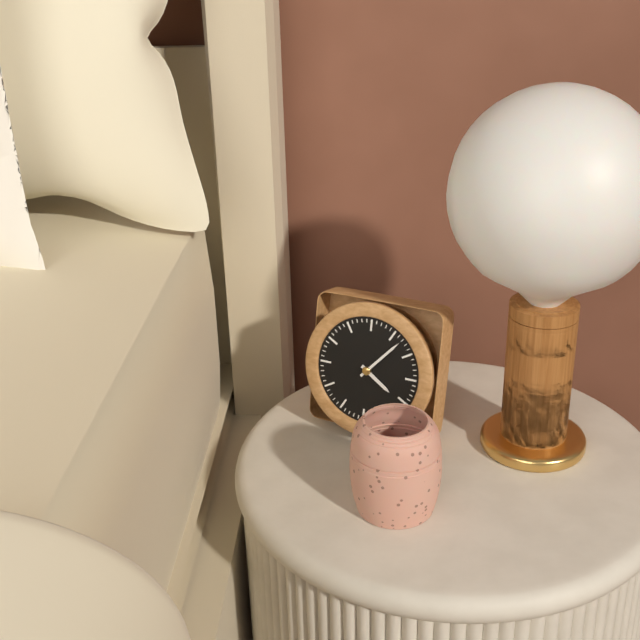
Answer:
4 h 07 min
